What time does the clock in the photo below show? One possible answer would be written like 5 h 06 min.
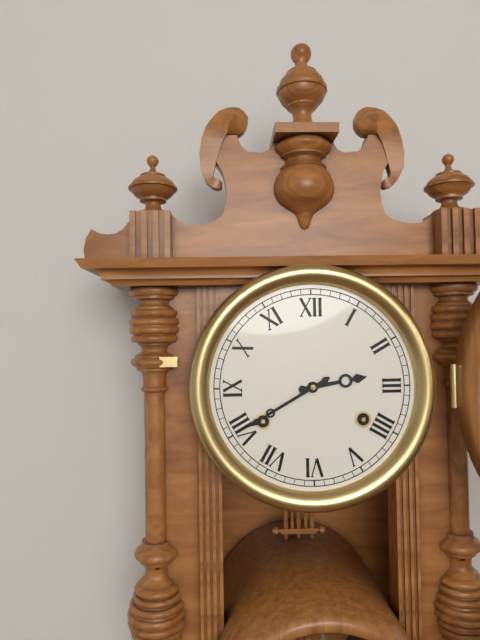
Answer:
2 h 40 min
